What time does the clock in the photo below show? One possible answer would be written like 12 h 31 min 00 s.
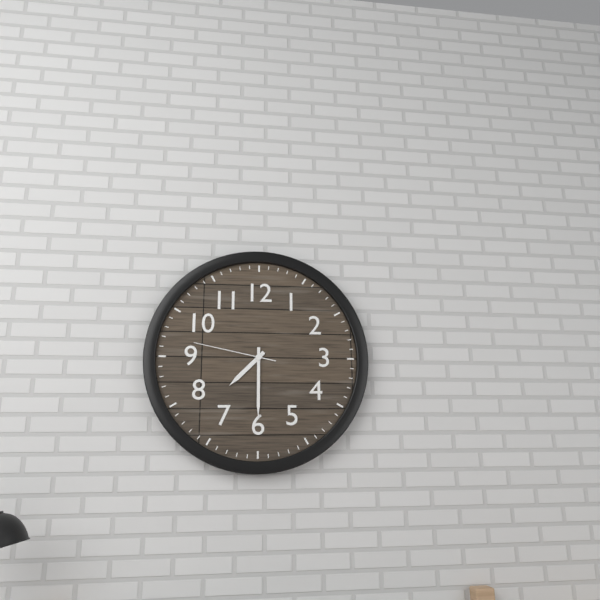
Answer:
7 h 30 min 47 s
